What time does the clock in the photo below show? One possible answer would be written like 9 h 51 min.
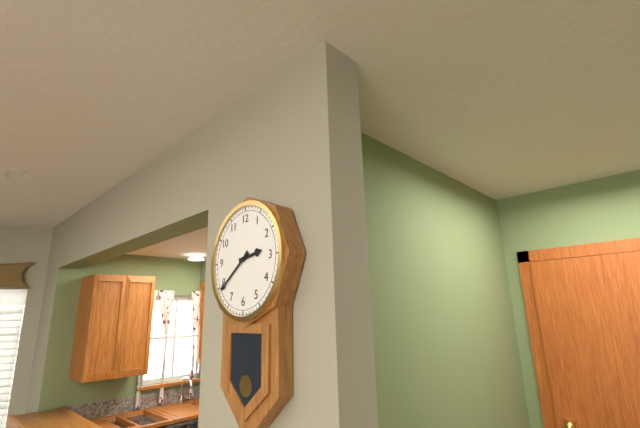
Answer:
2 h 39 min
